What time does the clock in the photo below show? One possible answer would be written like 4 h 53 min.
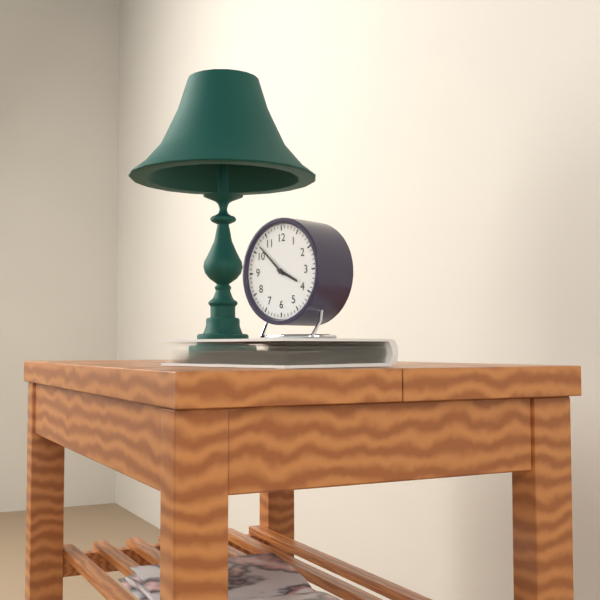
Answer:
3 h 52 min
